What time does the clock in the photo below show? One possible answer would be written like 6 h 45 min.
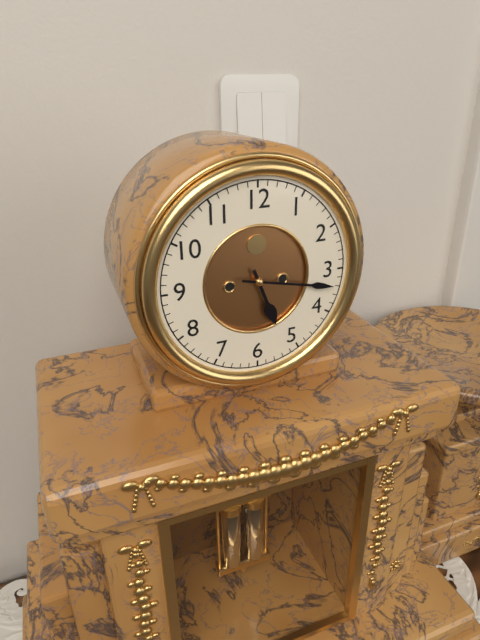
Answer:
5 h 17 min
